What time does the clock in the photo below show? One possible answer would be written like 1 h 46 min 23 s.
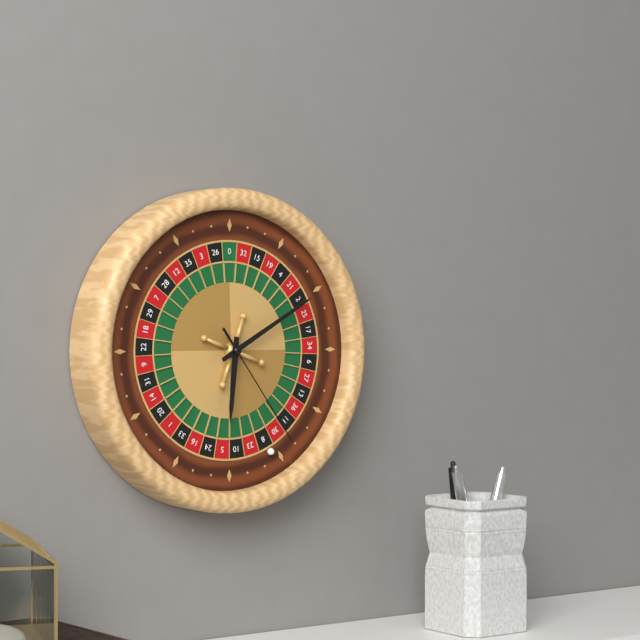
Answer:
6 h 10 min 24 s
